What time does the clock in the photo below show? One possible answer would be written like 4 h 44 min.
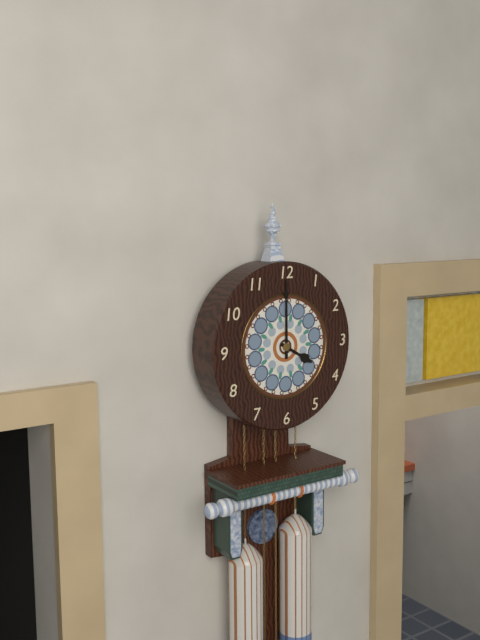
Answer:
4 h 00 min
